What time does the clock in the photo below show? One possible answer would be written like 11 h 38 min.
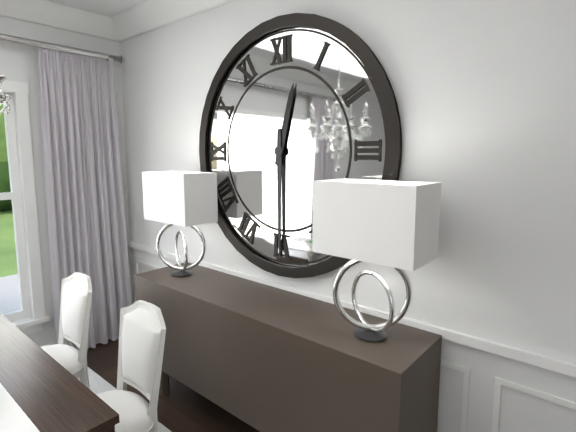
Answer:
12 h 30 min
